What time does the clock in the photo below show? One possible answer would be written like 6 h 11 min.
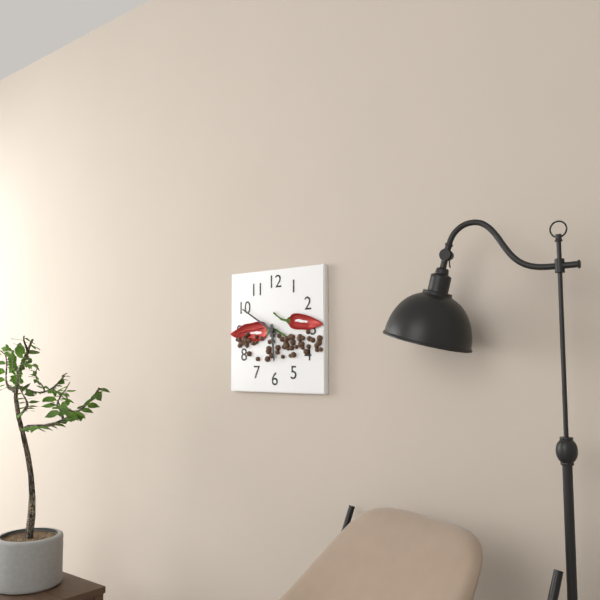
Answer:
5 h 50 min
